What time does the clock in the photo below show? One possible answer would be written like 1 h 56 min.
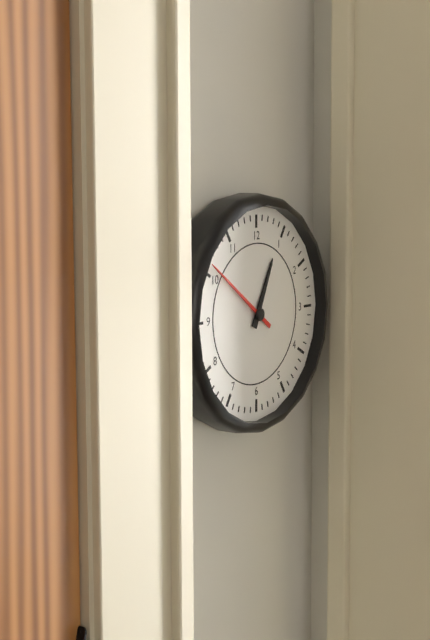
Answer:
12 h 51 min
